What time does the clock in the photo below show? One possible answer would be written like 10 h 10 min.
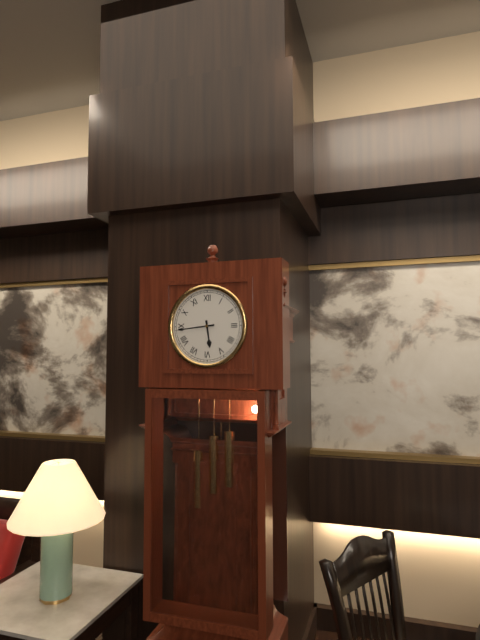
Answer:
5 h 44 min
